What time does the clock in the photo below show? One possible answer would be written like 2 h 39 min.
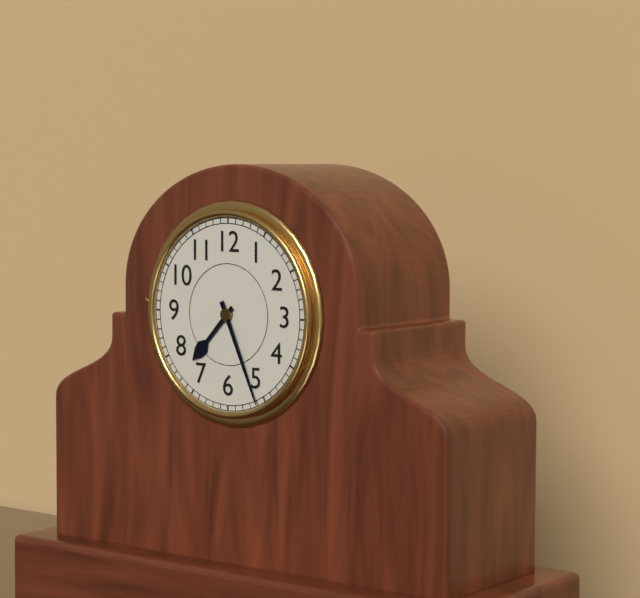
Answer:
7 h 26 min
